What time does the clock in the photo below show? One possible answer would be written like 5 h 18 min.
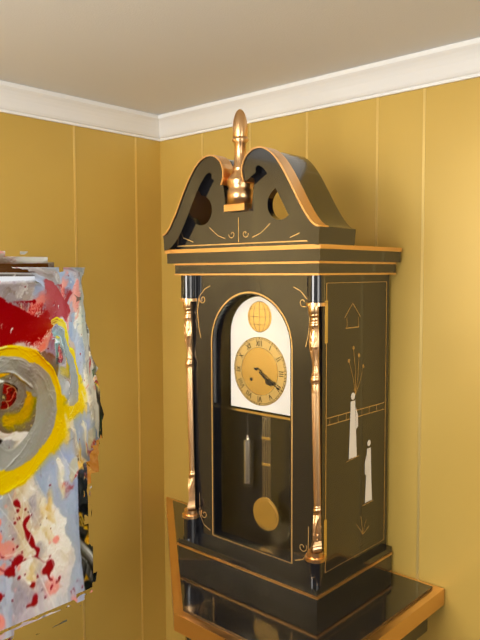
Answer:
4 h 20 min
